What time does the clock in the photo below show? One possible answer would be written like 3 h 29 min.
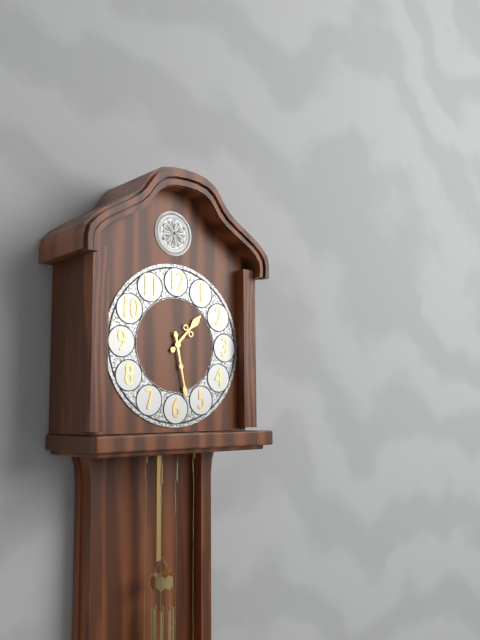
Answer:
1 h 28 min
